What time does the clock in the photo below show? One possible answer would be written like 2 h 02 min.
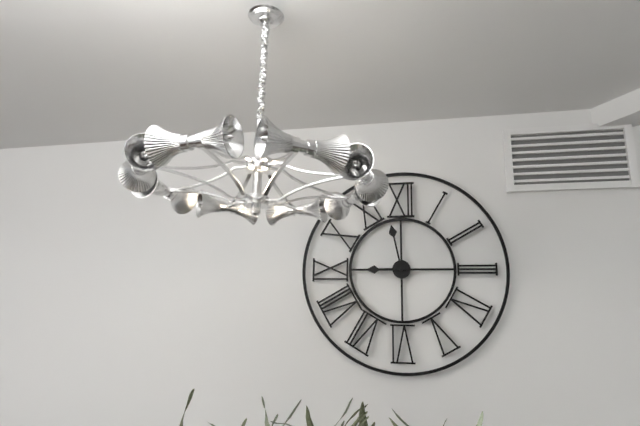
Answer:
8 h 58 min
